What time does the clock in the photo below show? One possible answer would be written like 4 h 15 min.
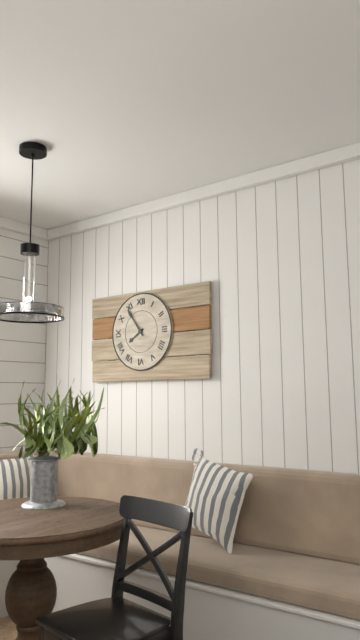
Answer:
7 h 54 min
